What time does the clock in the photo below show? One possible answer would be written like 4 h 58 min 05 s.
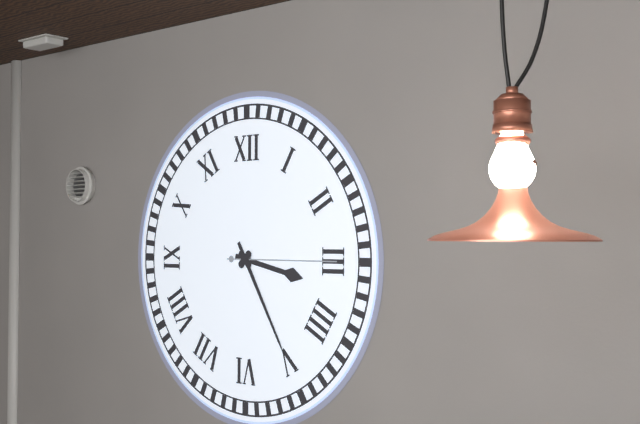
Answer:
3 h 25 min 15 s
